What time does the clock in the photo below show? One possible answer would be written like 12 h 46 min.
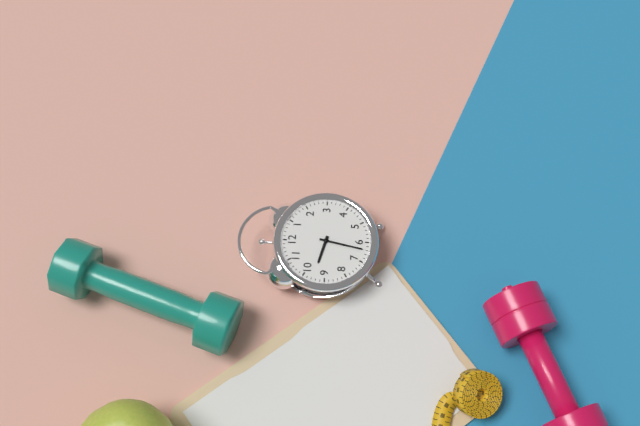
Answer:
9 h 32 min
